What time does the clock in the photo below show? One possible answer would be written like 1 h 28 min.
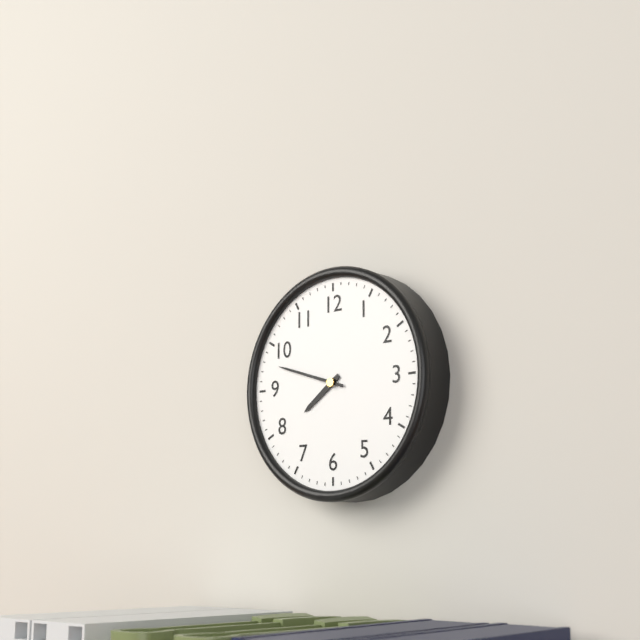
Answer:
7 h 48 min
